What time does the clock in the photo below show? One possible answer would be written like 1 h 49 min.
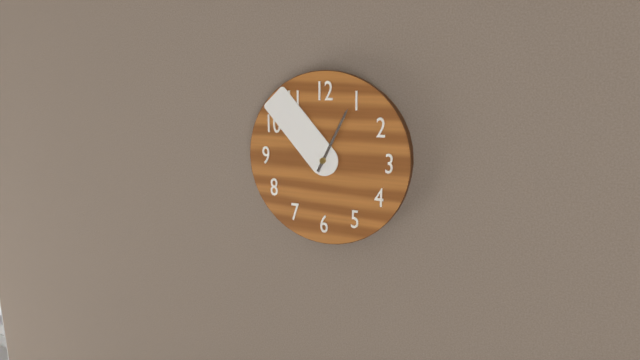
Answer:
12 h 53 min
